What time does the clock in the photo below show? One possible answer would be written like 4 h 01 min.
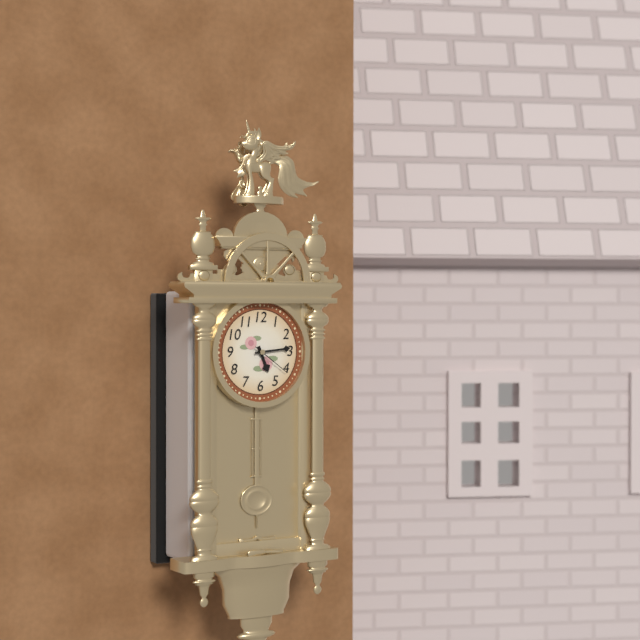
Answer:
5 h 14 min
